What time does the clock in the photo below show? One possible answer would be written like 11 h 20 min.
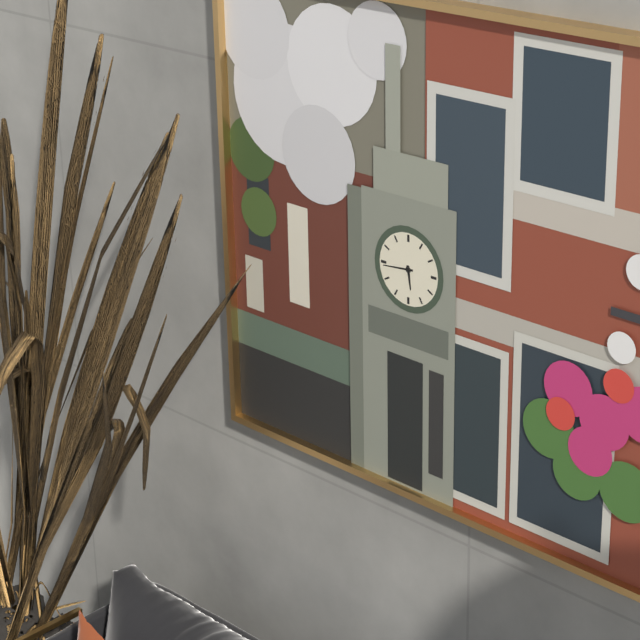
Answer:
5 h 44 min
